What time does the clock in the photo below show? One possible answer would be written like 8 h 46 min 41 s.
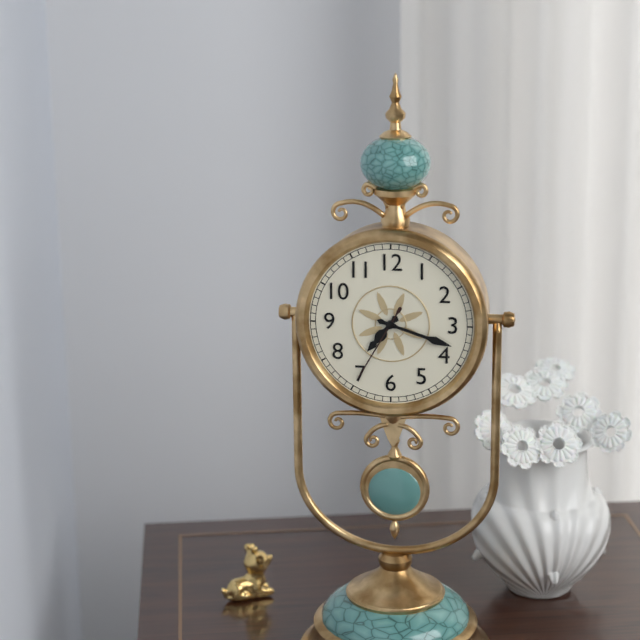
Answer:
7 h 18 min 35 s
